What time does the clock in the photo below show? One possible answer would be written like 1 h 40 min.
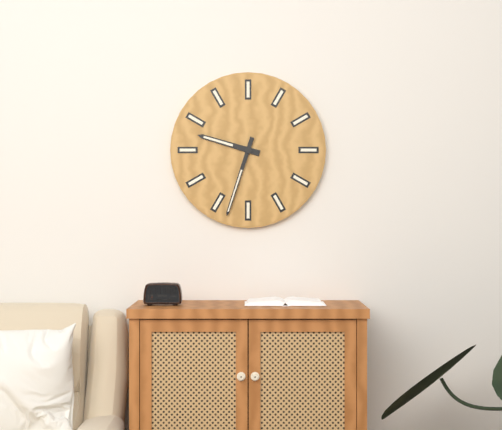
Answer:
9 h 33 min
